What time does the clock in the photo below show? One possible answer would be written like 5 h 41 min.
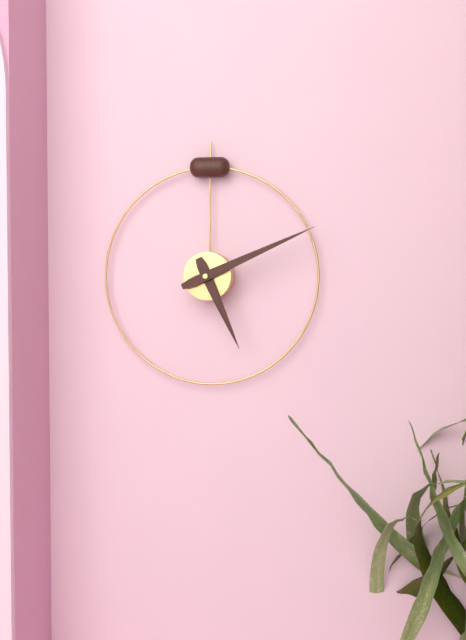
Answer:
5 h 11 min
